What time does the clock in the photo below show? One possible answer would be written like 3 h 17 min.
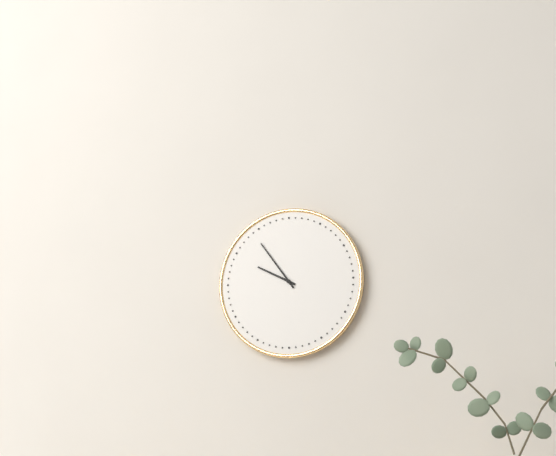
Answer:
9 h 54 min
